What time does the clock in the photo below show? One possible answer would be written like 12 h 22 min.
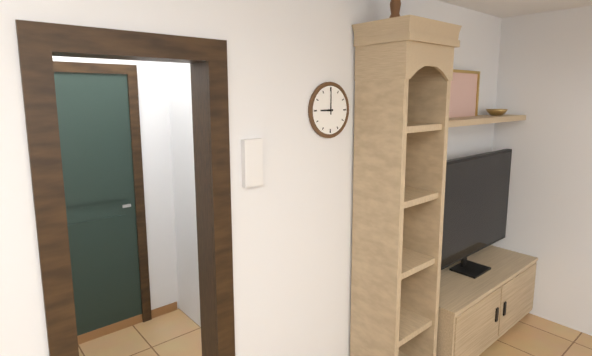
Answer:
9 h 00 min
